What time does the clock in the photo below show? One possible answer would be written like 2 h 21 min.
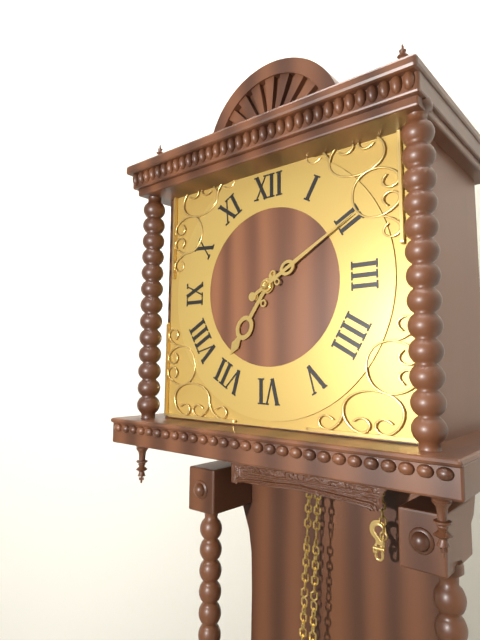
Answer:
7 h 10 min
